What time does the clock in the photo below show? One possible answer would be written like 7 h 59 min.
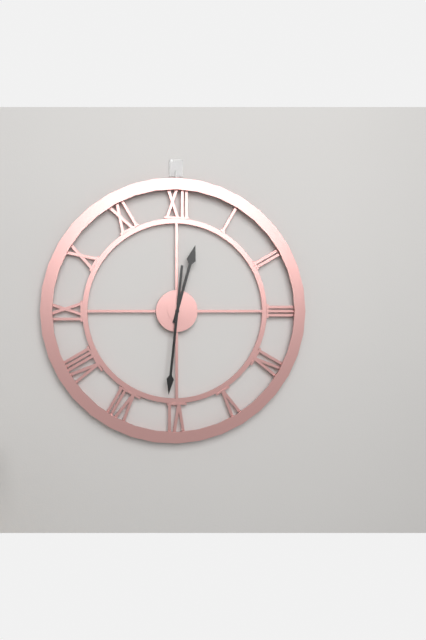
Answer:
12 h 31 min
